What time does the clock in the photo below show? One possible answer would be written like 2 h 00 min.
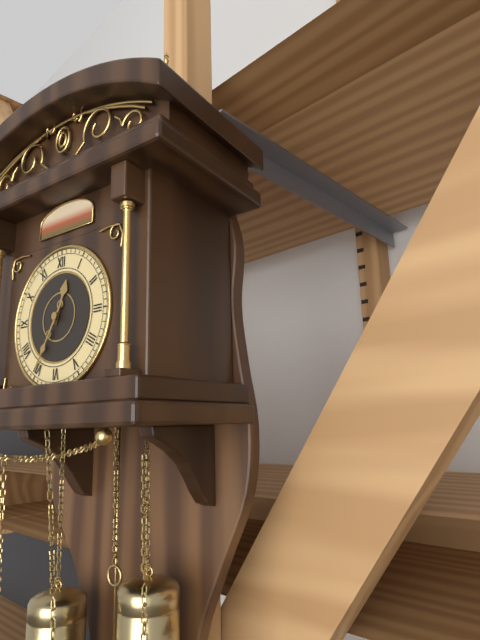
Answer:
12 h 35 min
